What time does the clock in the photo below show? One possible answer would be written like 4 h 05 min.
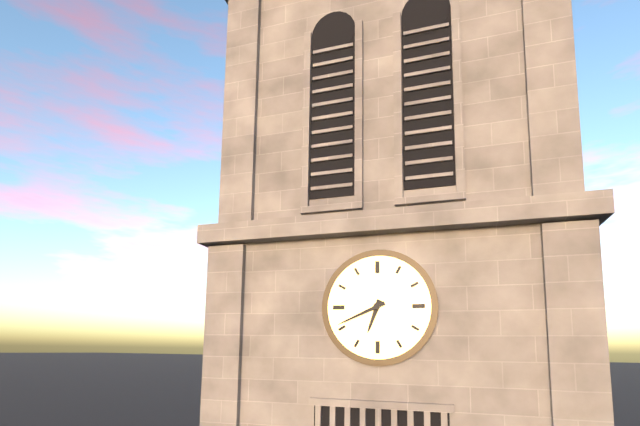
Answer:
6 h 41 min
